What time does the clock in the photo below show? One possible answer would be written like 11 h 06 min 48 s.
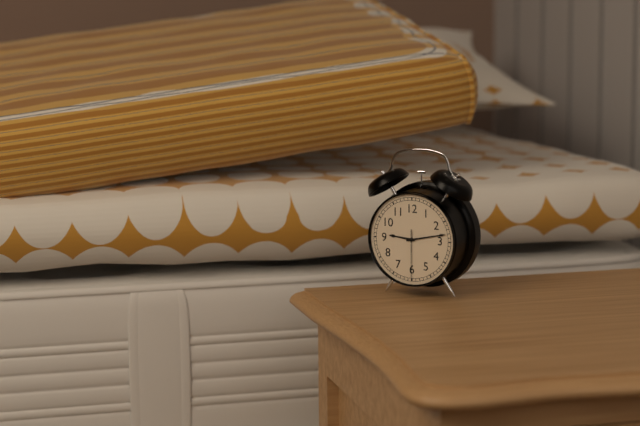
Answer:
9 h 13 min 30 s
